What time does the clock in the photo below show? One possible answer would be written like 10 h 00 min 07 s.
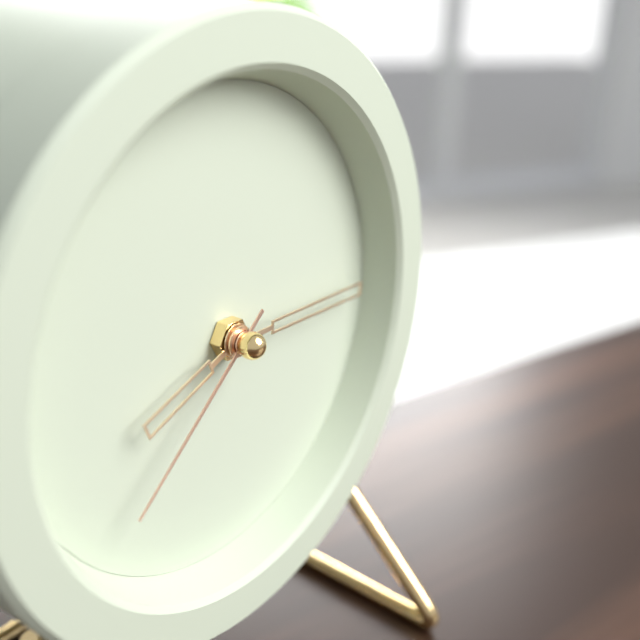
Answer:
8 h 15 min 38 s
